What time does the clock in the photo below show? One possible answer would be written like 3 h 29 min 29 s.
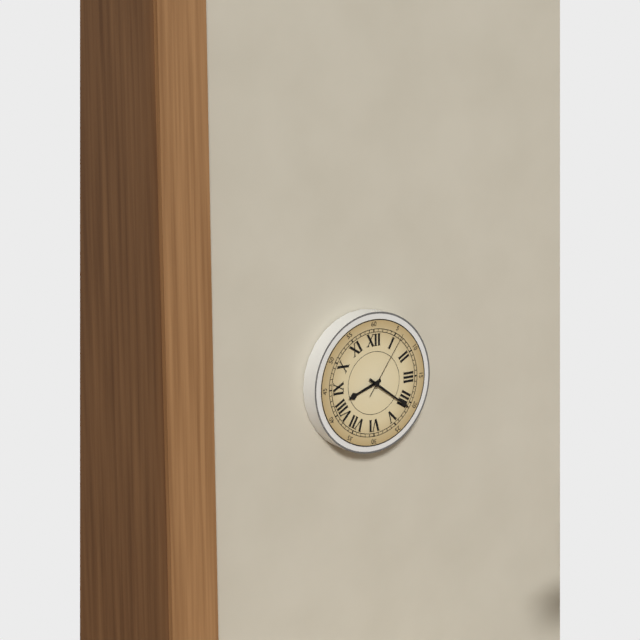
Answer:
8 h 21 min 06 s
